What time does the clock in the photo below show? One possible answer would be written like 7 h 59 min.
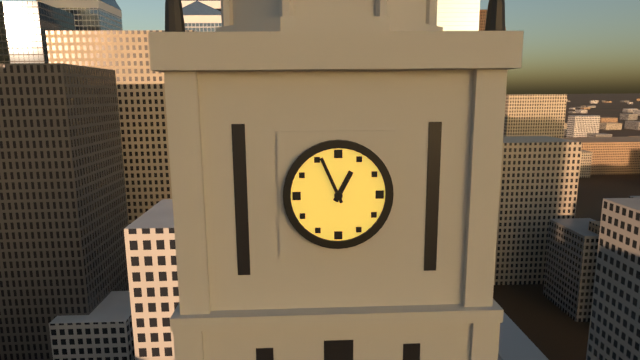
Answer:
12 h 56 min
